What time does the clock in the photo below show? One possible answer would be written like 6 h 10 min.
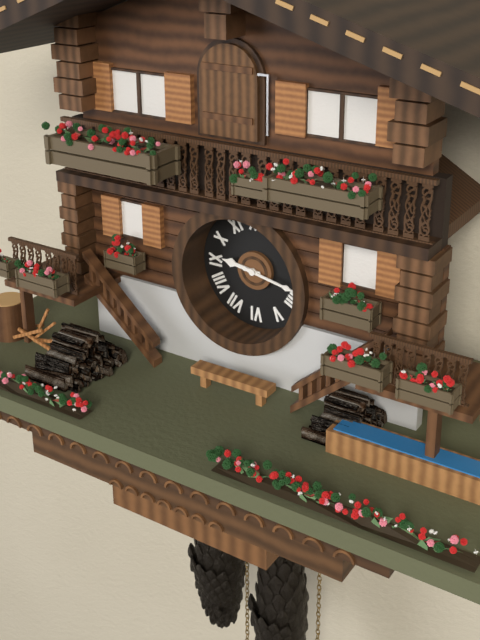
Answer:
9 h 17 min
